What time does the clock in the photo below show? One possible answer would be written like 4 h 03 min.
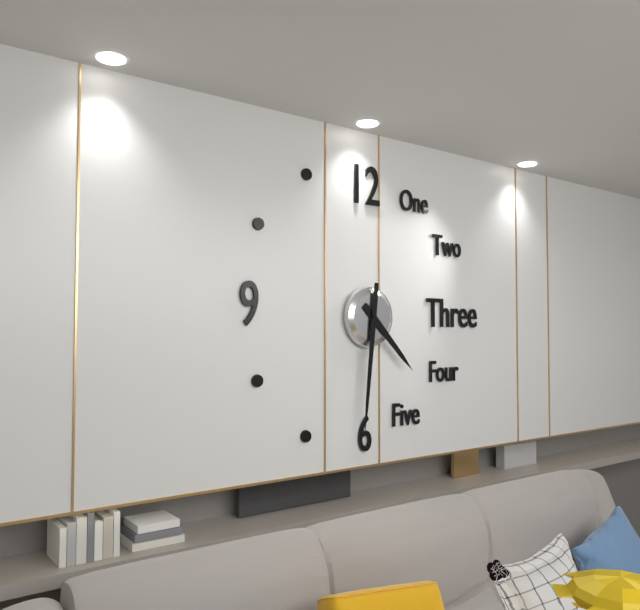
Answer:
4 h 31 min
